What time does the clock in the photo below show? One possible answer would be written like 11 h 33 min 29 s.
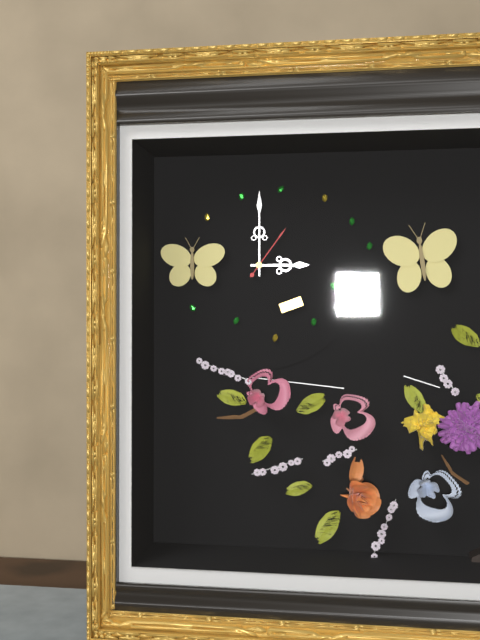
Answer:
3 h 00 min 06 s
